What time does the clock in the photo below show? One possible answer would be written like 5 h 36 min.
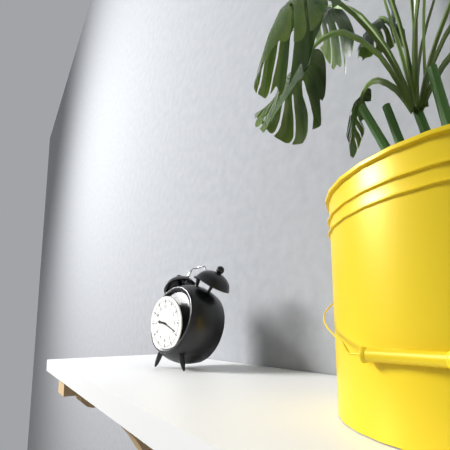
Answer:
9 h 19 min
